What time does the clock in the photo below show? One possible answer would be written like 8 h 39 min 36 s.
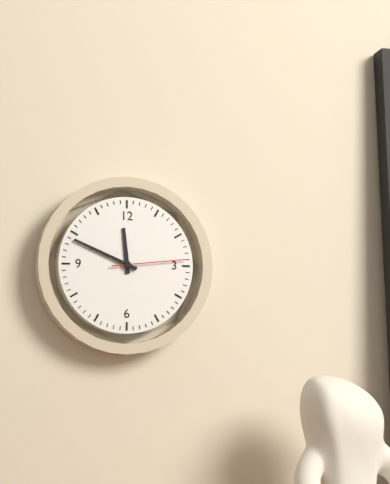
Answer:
11 h 49 min 14 s
